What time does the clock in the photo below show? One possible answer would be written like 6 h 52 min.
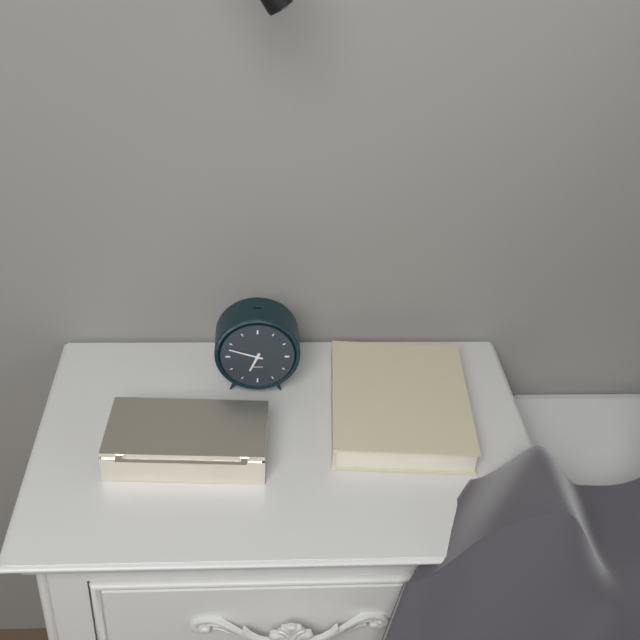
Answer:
6 h 48 min
